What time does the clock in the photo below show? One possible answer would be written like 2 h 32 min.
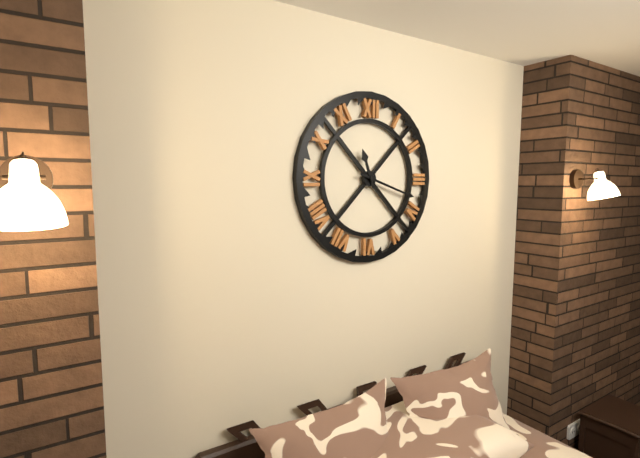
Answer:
11 h 18 min
